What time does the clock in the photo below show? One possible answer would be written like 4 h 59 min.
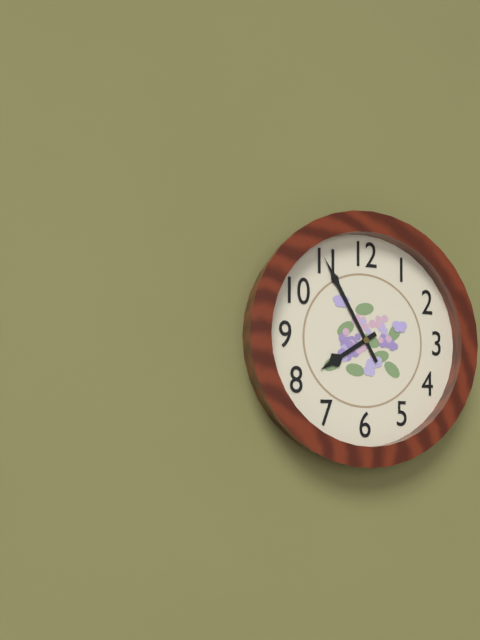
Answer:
7 h 55 min
